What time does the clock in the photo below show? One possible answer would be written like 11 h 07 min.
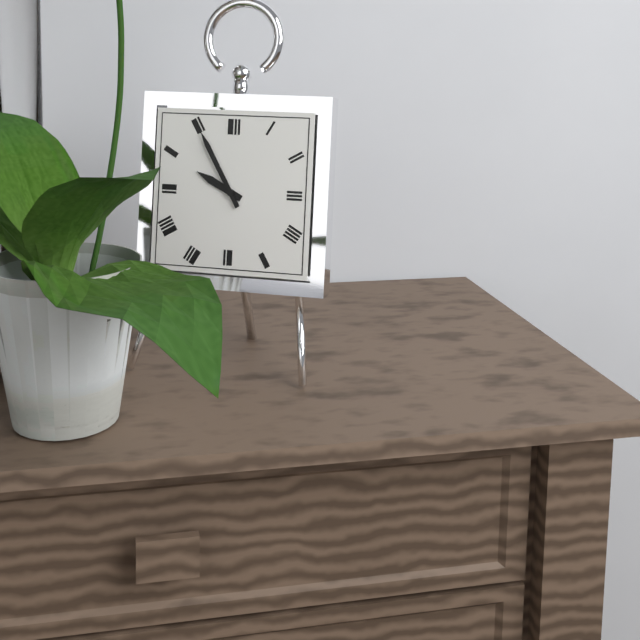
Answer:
9 h 55 min
